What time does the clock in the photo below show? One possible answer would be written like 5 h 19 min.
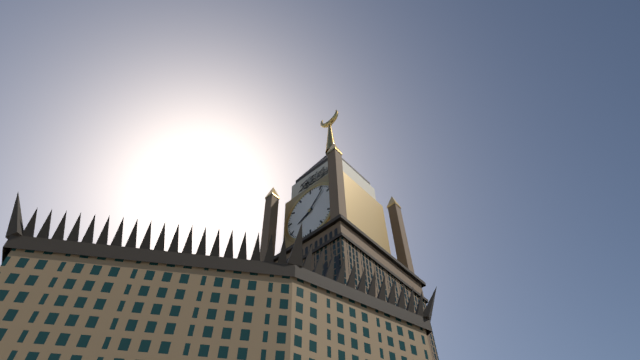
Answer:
8 h 07 min
